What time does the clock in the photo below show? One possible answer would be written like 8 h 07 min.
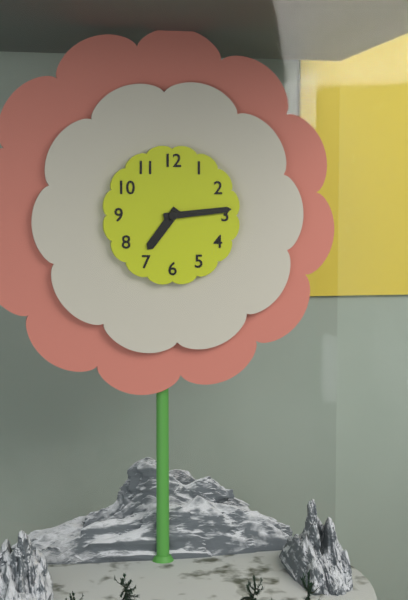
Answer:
7 h 14 min
